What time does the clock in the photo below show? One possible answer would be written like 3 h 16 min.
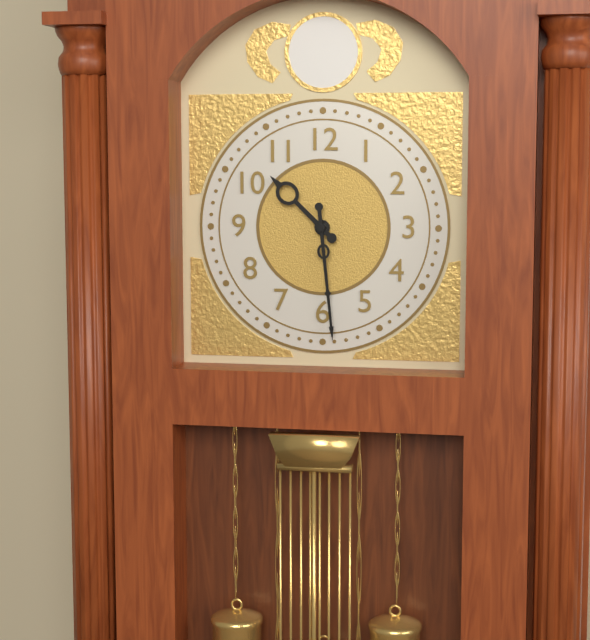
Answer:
10 h 29 min
